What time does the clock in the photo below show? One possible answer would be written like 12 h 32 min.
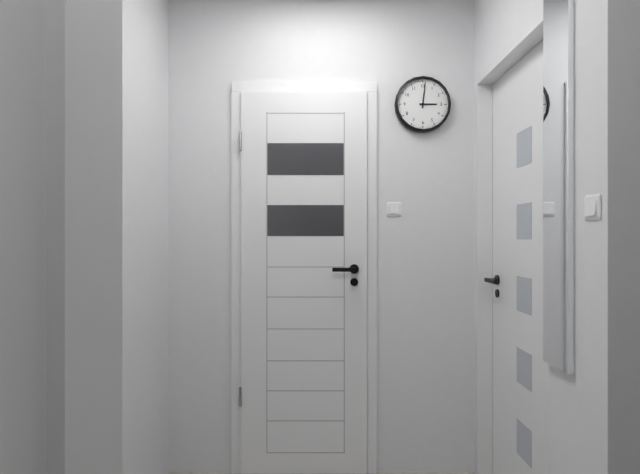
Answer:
3 h 01 min
